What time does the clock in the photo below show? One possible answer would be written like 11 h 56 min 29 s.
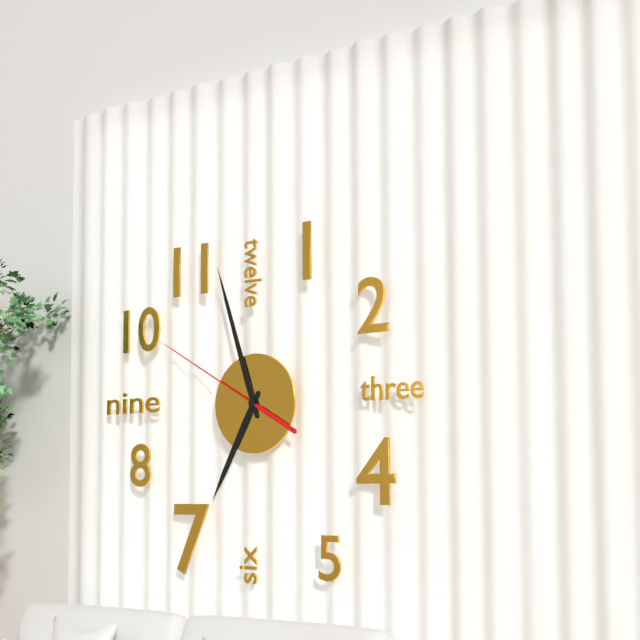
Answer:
6 h 57 min 50 s
